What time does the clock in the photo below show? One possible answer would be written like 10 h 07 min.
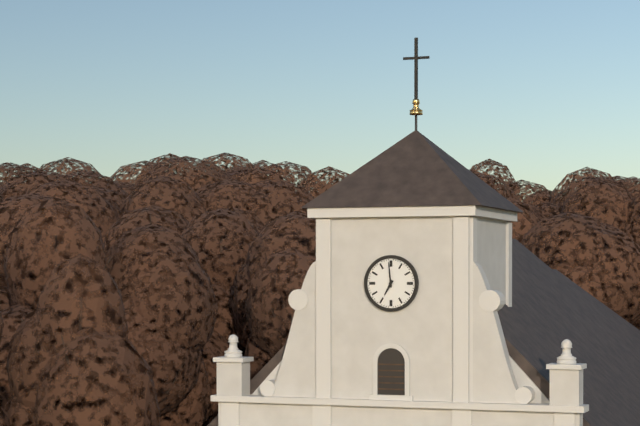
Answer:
6 h 59 min
